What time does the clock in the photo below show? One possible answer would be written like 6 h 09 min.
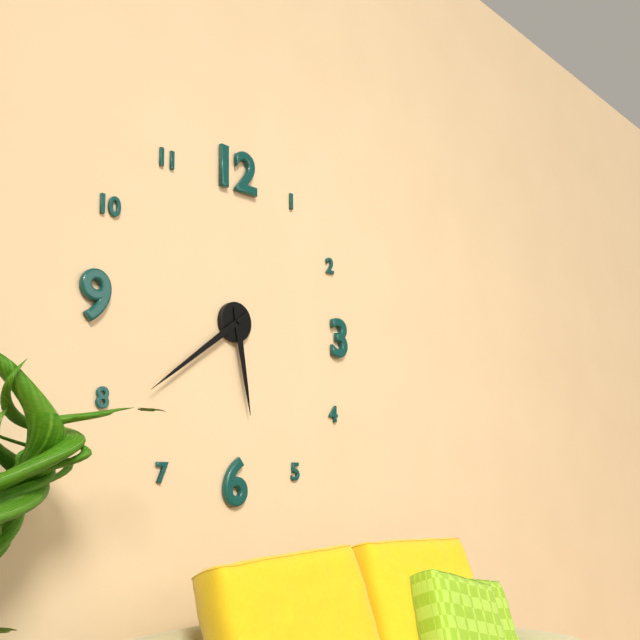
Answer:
5 h 39 min
